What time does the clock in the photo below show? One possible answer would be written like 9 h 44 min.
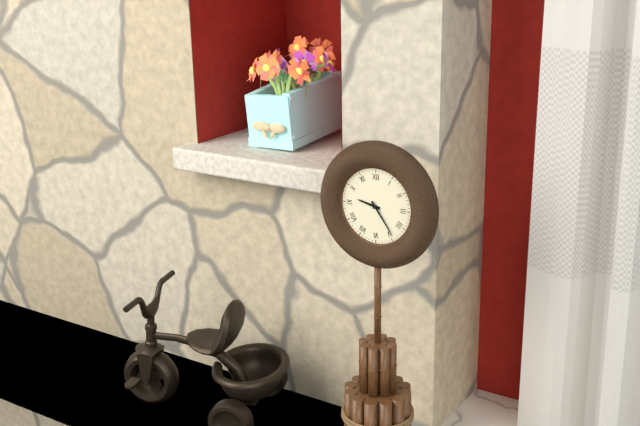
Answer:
9 h 24 min
